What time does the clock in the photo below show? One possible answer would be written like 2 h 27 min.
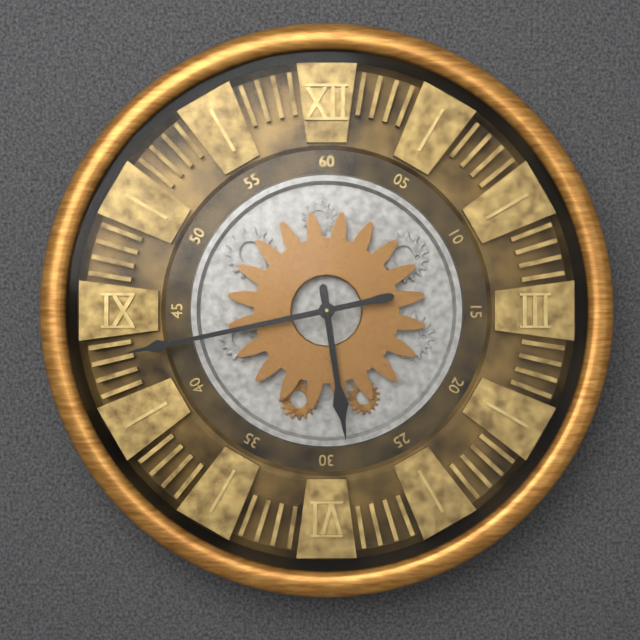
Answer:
5 h 43 min
